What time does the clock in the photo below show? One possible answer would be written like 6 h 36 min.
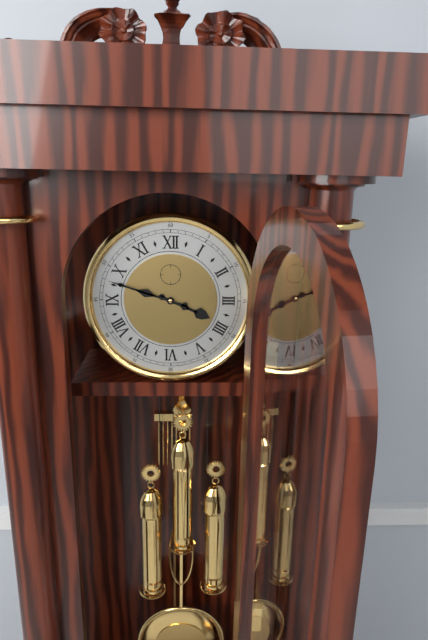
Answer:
3 h 48 min
